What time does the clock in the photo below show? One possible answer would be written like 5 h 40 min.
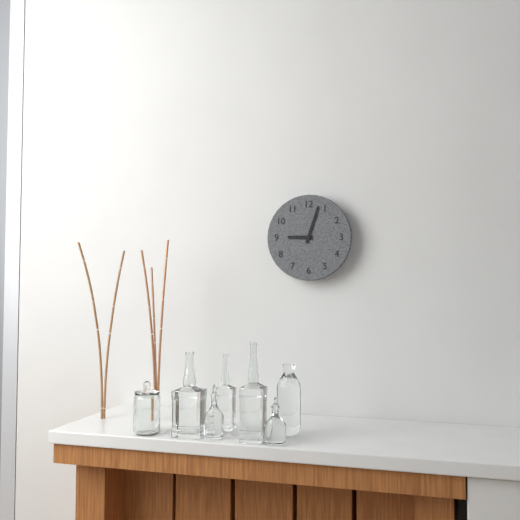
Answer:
9 h 03 min
